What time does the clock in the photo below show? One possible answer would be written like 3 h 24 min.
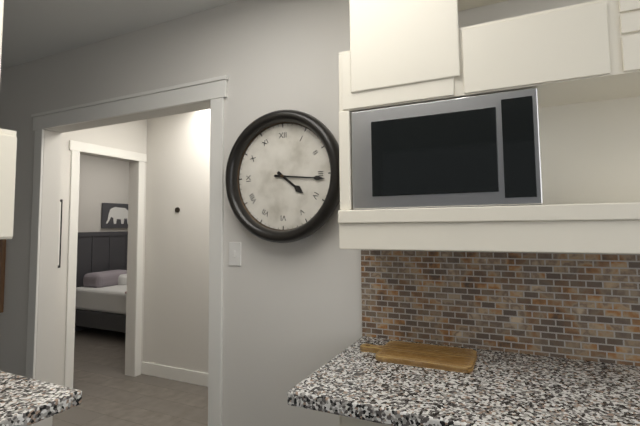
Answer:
4 h 16 min
